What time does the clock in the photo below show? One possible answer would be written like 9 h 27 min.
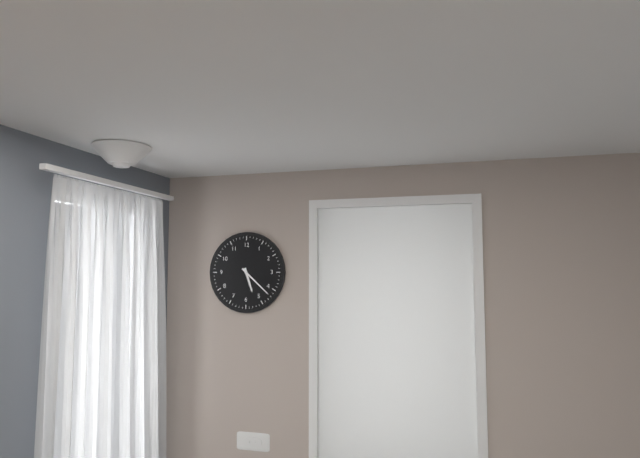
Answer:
5 h 22 min
